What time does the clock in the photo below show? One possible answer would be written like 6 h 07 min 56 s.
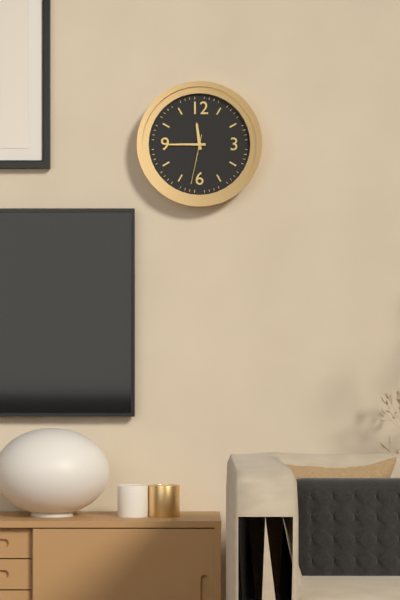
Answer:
11 h 45 min 32 s
